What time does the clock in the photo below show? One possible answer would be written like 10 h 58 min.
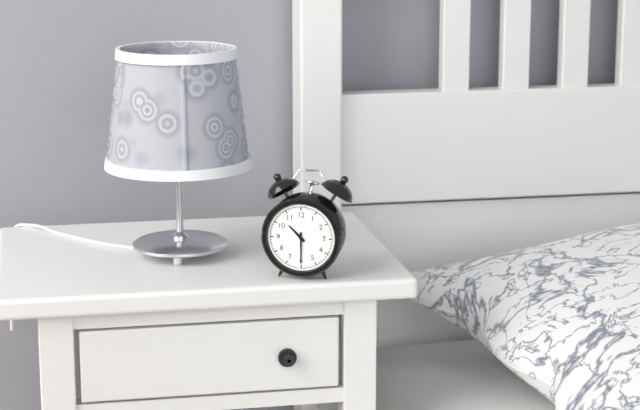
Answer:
10 h 30 min
